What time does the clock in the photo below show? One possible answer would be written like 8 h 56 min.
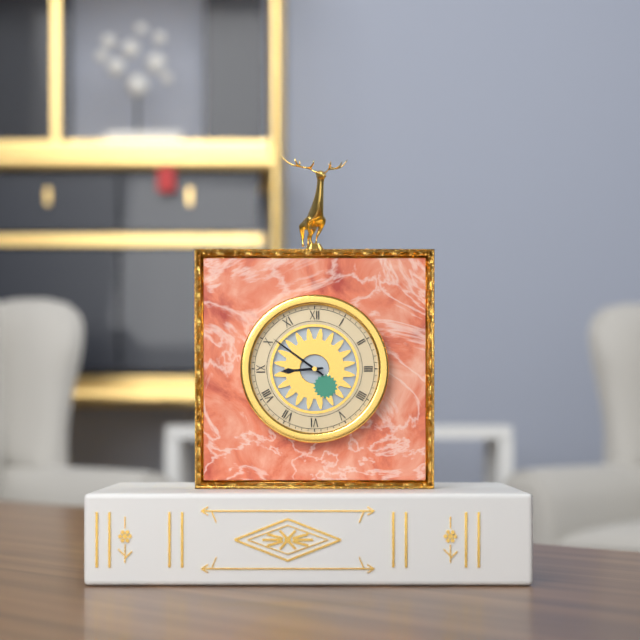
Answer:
8 h 51 min
